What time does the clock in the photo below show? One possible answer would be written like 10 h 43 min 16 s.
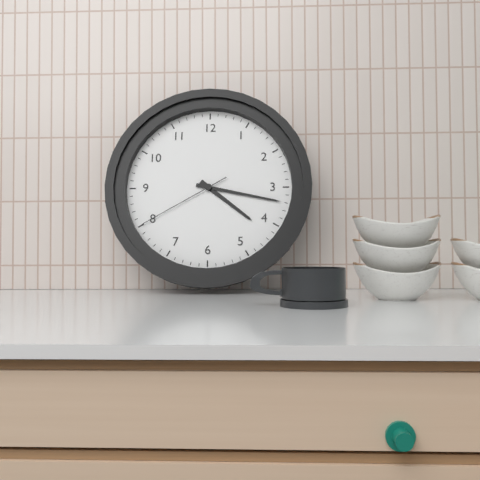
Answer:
4 h 17 min 40 s
